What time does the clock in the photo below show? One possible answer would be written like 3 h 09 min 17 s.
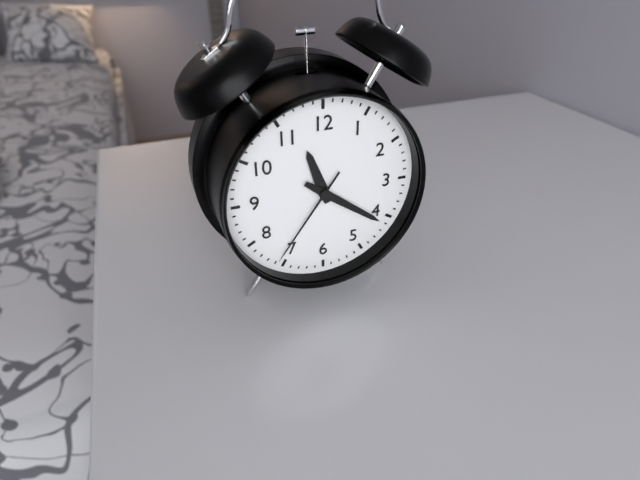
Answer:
11 h 21 min 36 s
